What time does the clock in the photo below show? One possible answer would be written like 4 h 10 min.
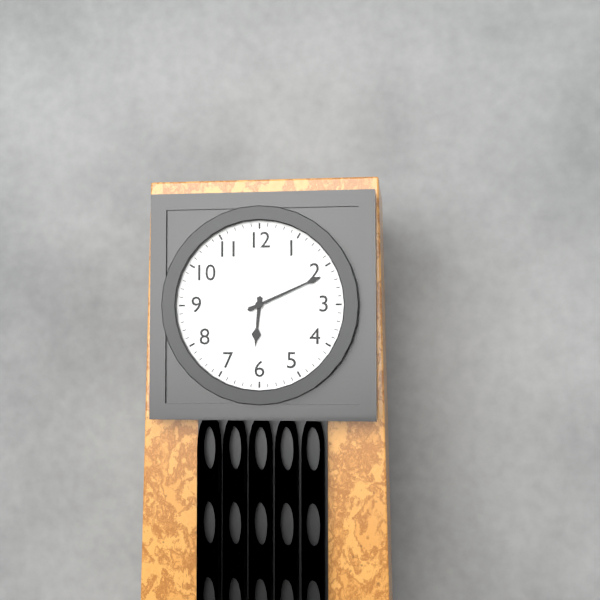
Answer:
6 h 11 min
